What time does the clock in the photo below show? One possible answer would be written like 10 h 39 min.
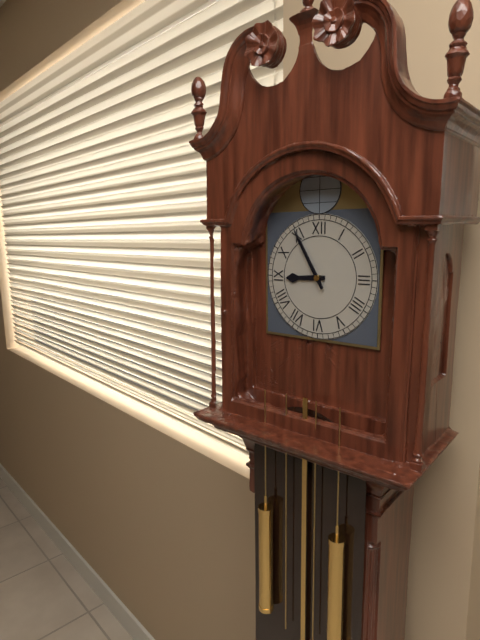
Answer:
8 h 55 min
